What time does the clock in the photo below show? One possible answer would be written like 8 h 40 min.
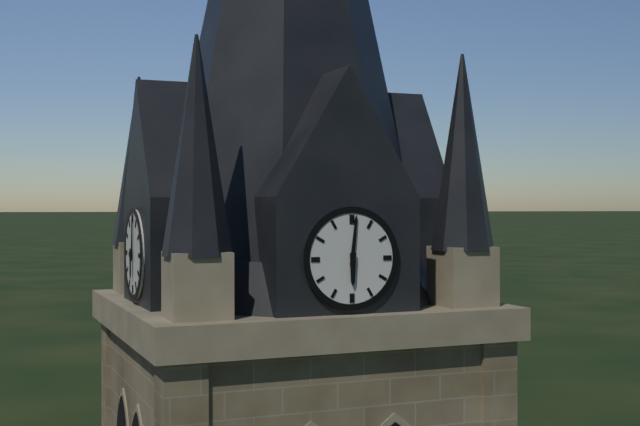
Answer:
6 h 01 min
